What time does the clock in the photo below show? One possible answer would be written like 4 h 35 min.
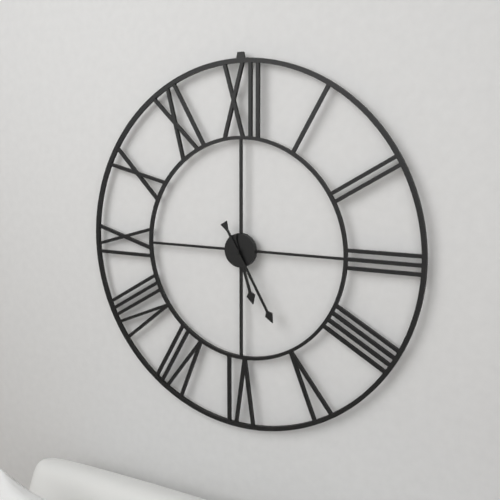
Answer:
5 h 25 min
